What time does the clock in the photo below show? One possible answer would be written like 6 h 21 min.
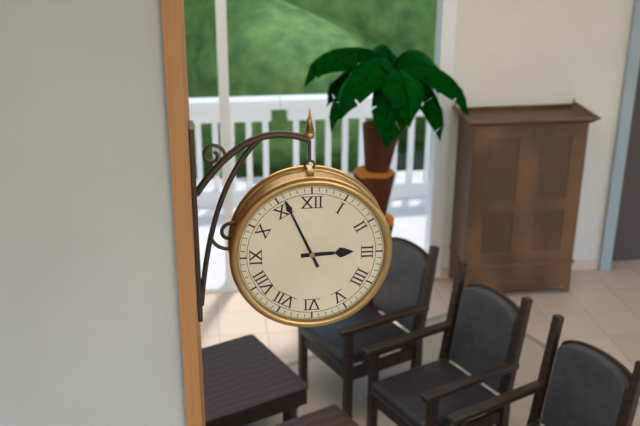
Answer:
2 h 56 min
